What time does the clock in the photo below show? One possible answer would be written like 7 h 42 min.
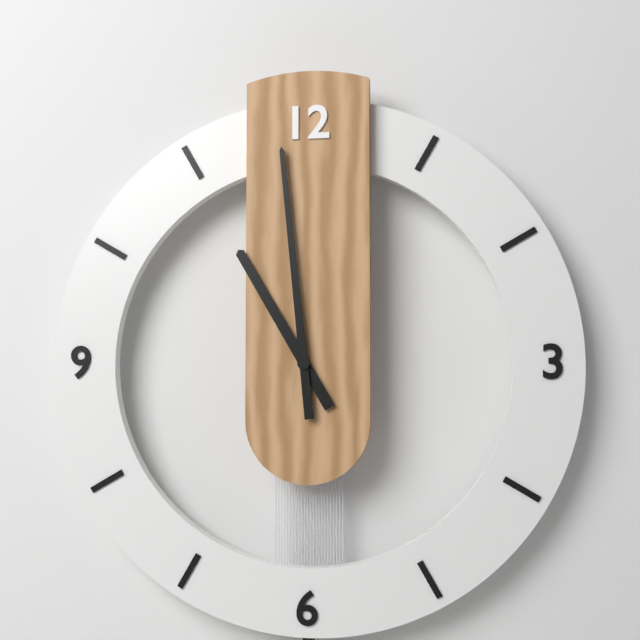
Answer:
10 h 59 min
